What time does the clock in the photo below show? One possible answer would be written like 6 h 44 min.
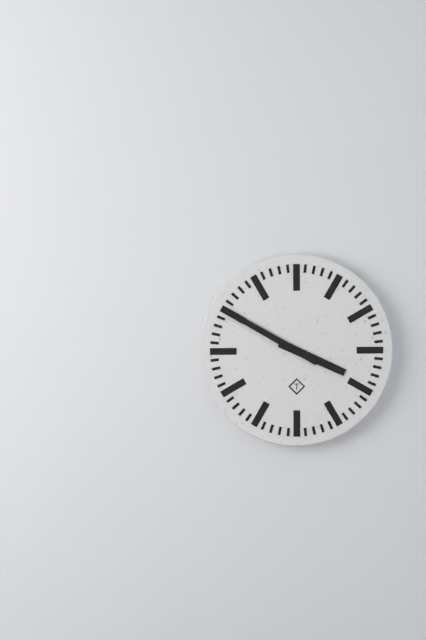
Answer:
3 h 50 min
